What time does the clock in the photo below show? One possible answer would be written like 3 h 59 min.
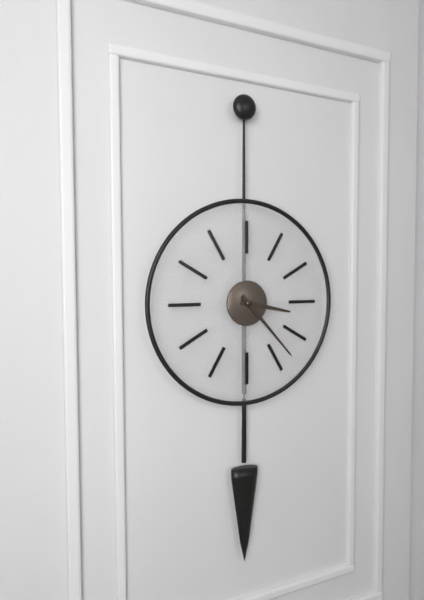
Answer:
3 h 23 min
